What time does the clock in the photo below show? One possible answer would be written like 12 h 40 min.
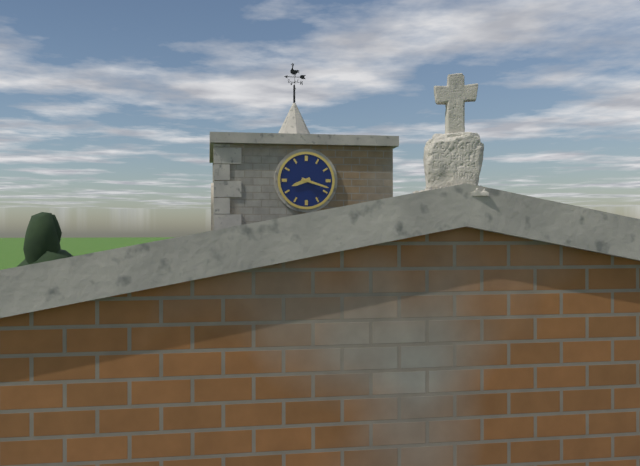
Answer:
8 h 18 min
